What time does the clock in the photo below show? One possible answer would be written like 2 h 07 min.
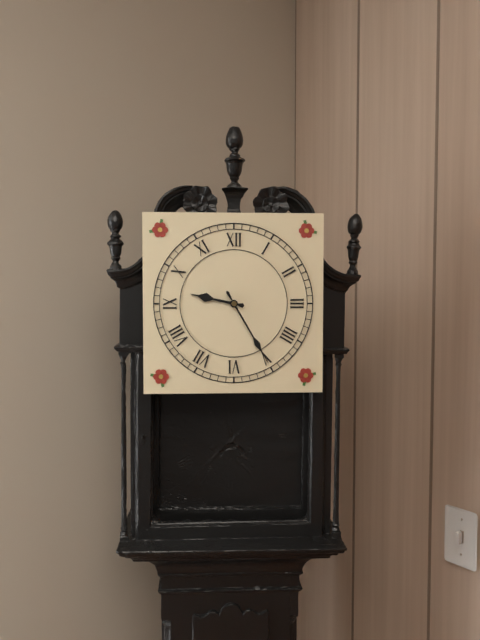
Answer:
9 h 25 min
